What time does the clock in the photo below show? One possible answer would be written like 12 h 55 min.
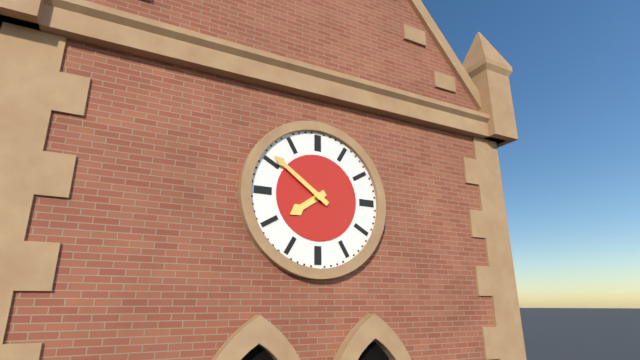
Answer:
7 h 51 min
